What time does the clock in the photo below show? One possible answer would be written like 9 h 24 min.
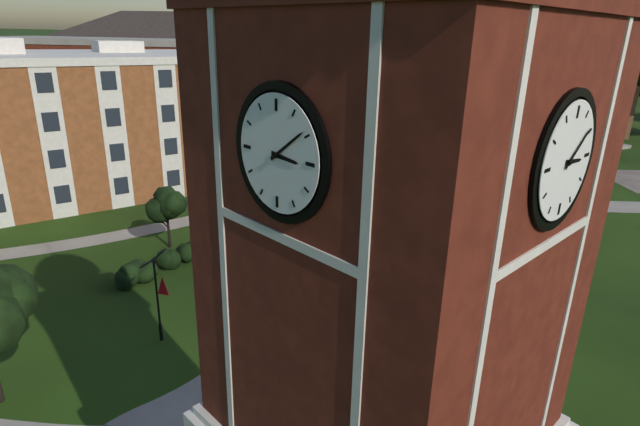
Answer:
3 h 09 min
